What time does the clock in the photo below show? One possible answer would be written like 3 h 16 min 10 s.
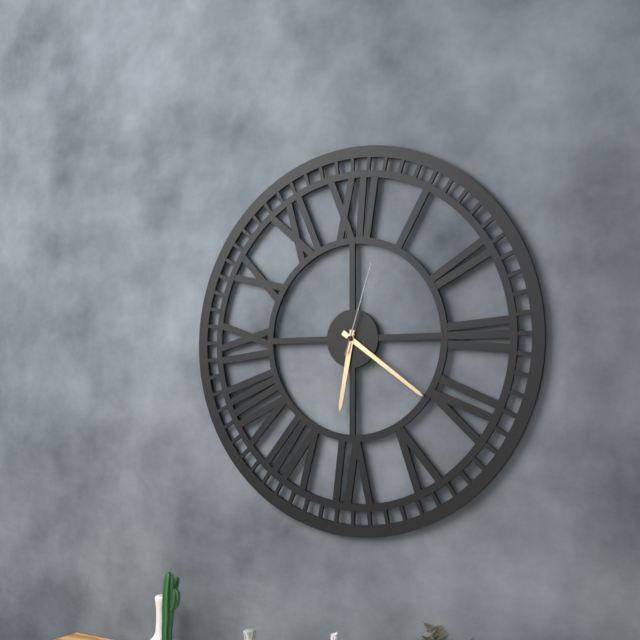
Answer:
6 h 21 min 03 s
